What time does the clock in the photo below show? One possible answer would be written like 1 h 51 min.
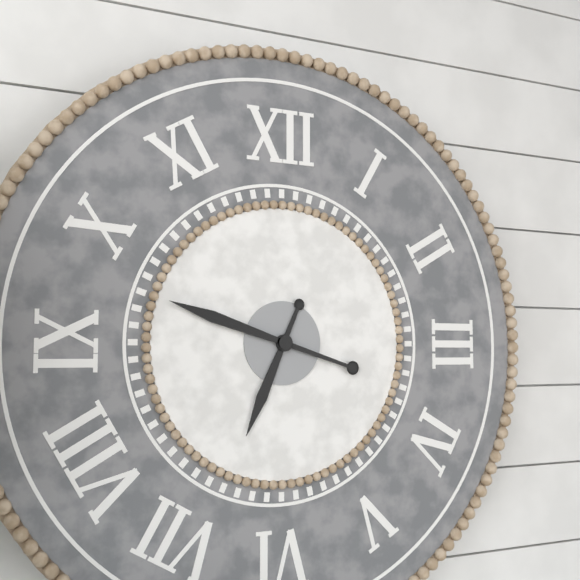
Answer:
6 h 48 min
